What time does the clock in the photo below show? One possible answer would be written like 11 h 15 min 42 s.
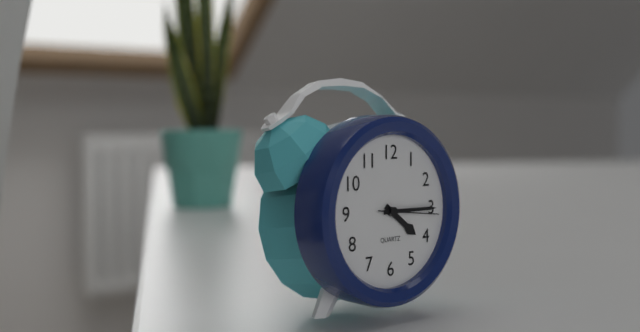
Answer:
4 h 15 min 16 s
